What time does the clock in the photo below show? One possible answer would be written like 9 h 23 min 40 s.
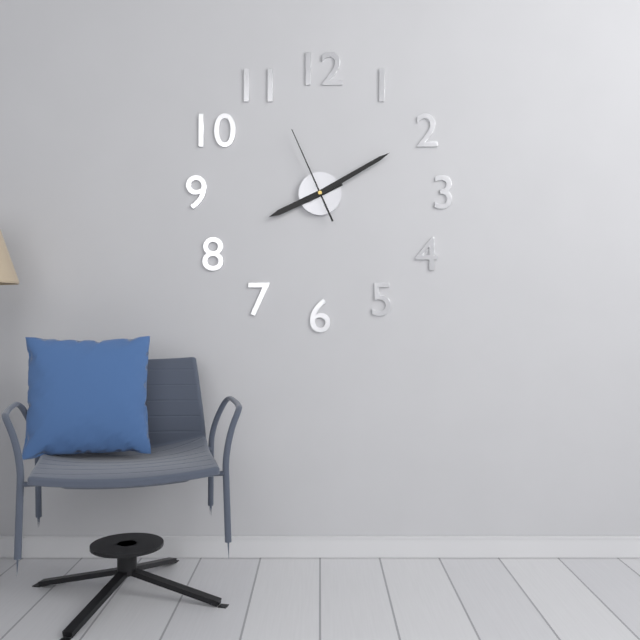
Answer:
8 h 10 min 56 s
